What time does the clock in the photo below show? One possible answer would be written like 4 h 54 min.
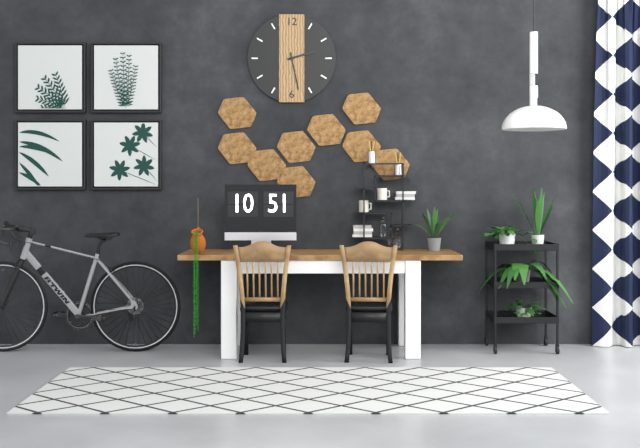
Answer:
2 h 28 min
